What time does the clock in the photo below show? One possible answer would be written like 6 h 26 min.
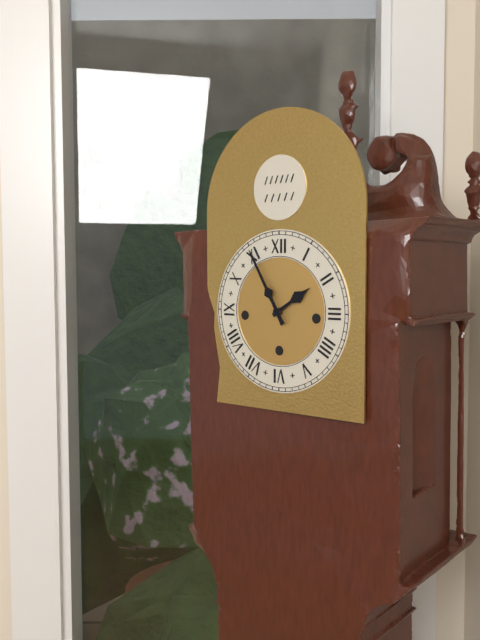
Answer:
1 h 55 min
